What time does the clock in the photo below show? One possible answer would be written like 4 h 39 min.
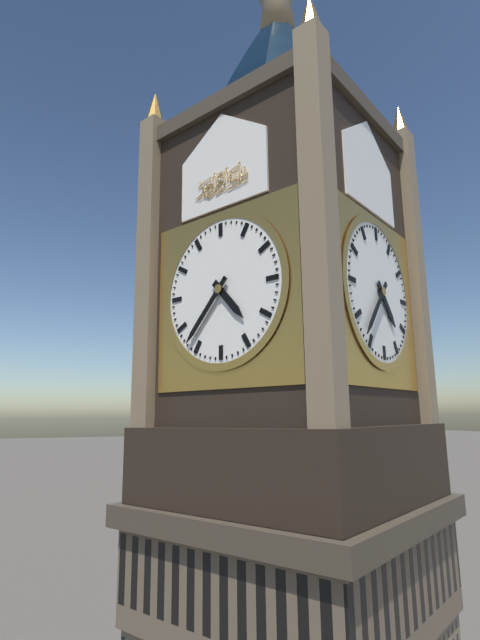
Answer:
4 h 37 min
